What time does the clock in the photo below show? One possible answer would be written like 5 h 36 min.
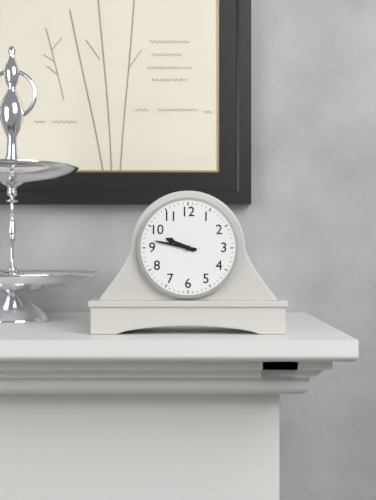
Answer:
9 h 47 min
